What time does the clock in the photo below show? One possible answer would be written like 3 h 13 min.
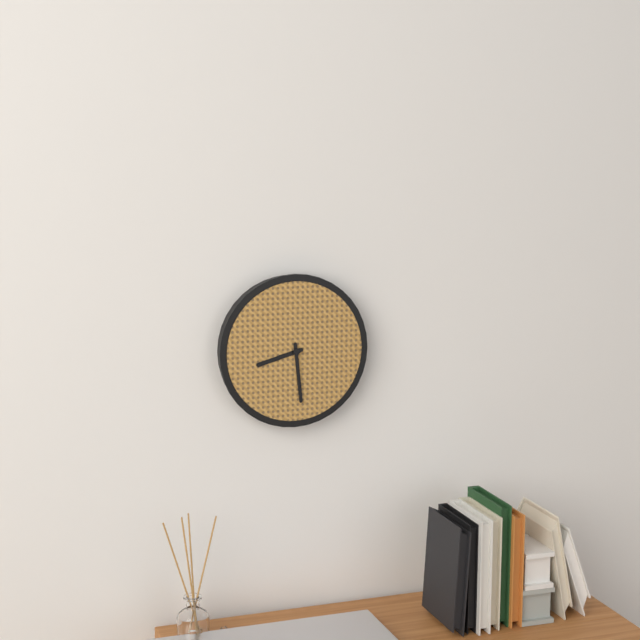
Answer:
8 h 29 min
